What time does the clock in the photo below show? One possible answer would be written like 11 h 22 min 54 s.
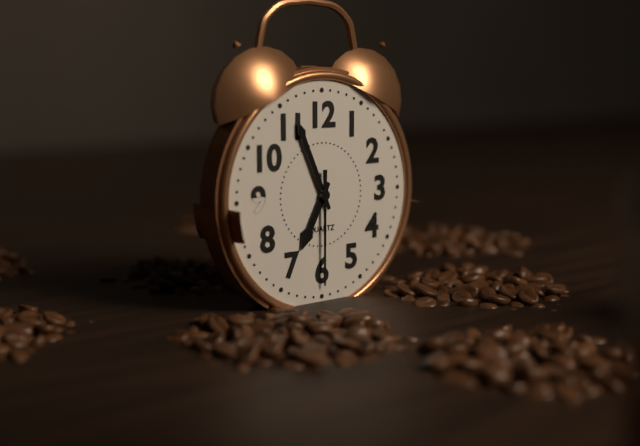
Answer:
6 h 56 min 30 s
